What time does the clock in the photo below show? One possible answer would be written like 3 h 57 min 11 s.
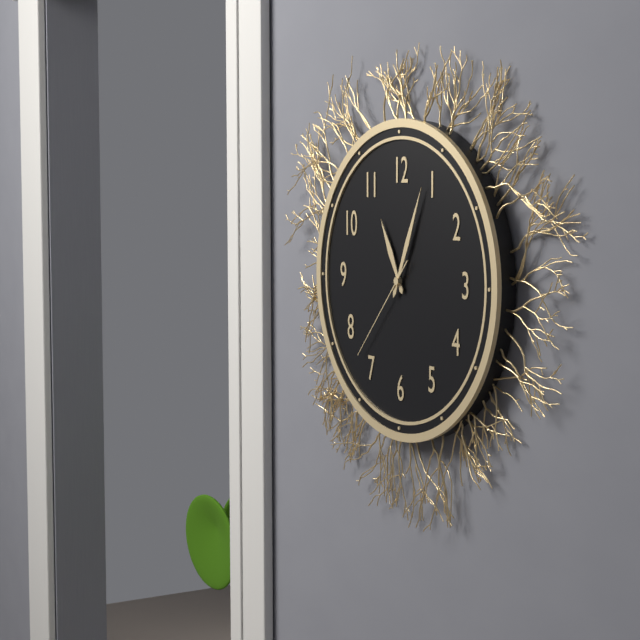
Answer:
11 h 04 min 37 s
